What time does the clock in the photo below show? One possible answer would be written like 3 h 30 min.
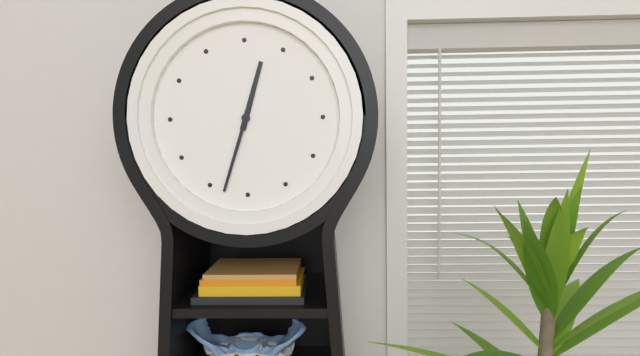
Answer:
12 h 33 min
